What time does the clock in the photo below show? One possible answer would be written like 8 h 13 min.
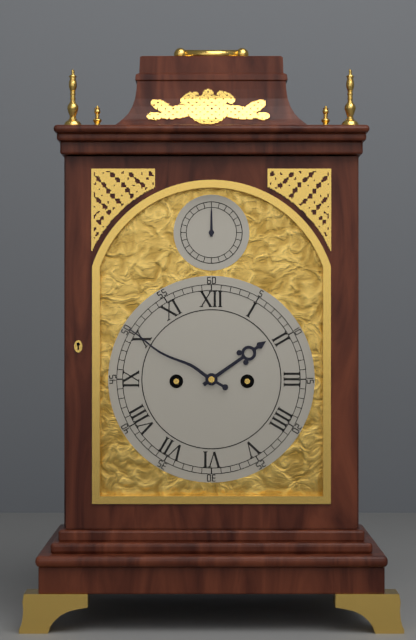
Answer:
1 h 50 min
